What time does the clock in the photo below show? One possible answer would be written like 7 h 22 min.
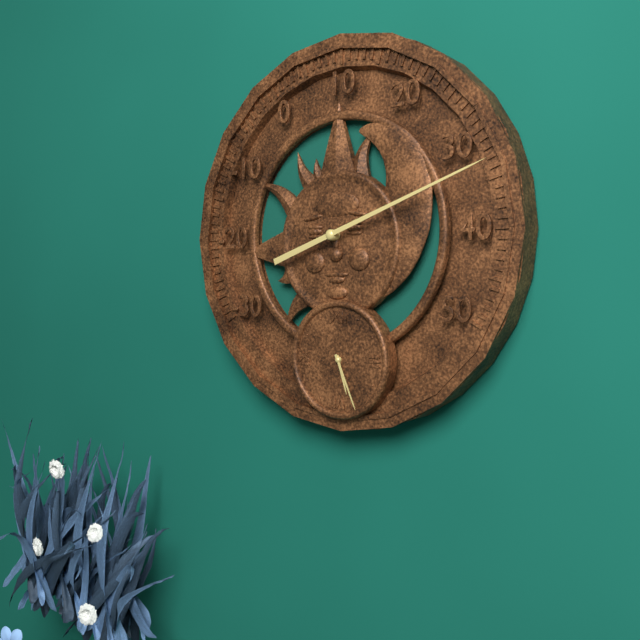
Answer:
5 h 26 min
